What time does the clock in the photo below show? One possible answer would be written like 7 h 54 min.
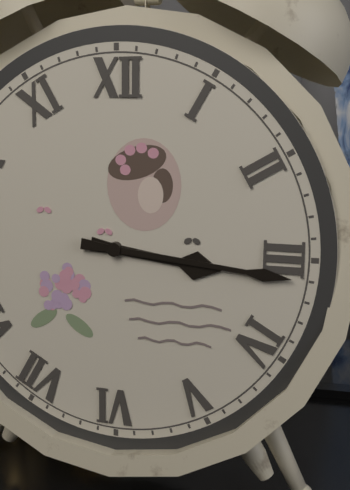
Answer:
3 h 16 min
